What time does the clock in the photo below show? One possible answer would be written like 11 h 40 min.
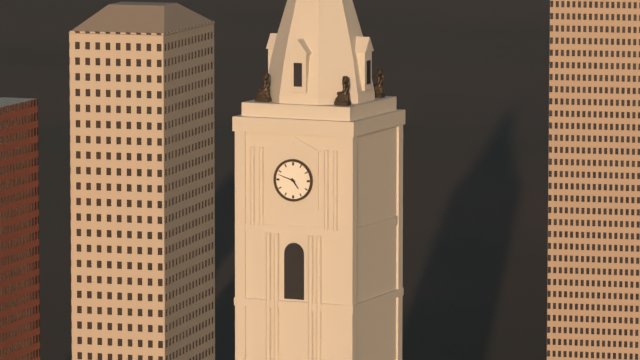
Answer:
4 h 48 min
